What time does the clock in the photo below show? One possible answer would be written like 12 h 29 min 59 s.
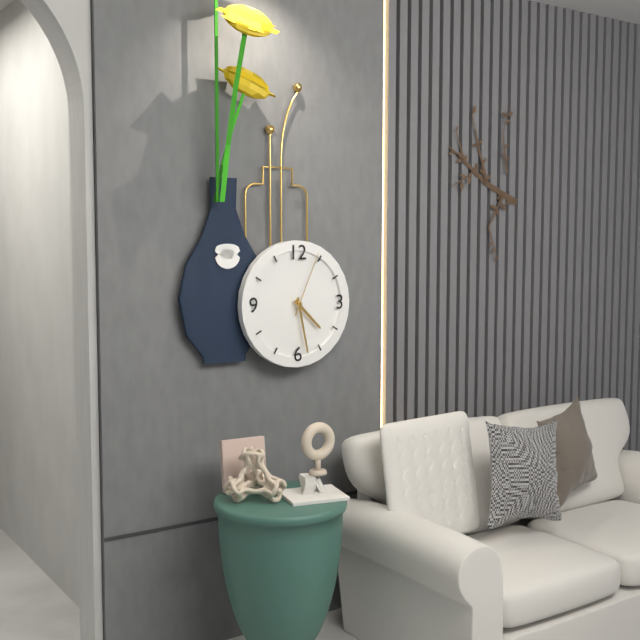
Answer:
4 h 28 min 04 s
